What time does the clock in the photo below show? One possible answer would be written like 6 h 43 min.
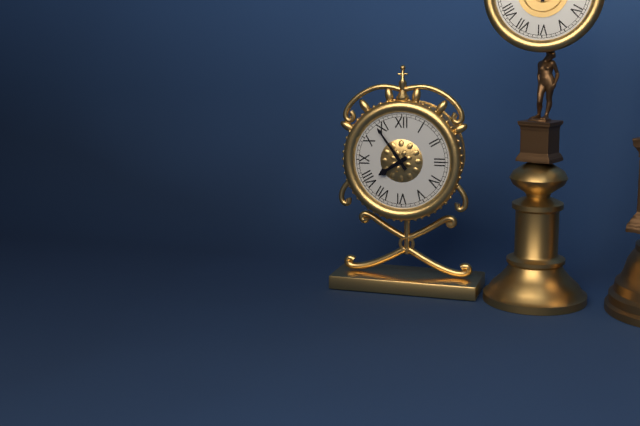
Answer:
7 h 54 min
